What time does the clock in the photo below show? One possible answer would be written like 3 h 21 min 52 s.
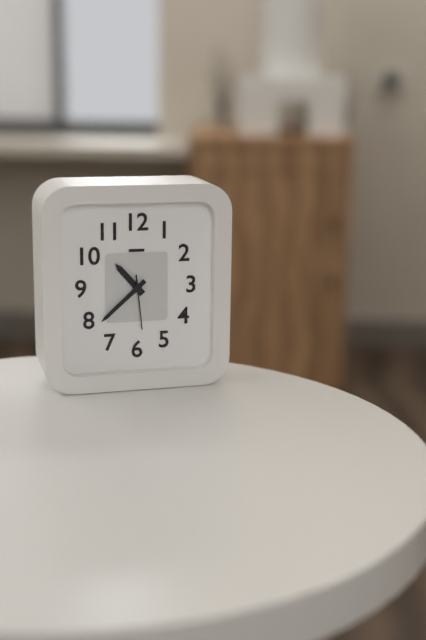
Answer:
10 h 38 min 29 s
